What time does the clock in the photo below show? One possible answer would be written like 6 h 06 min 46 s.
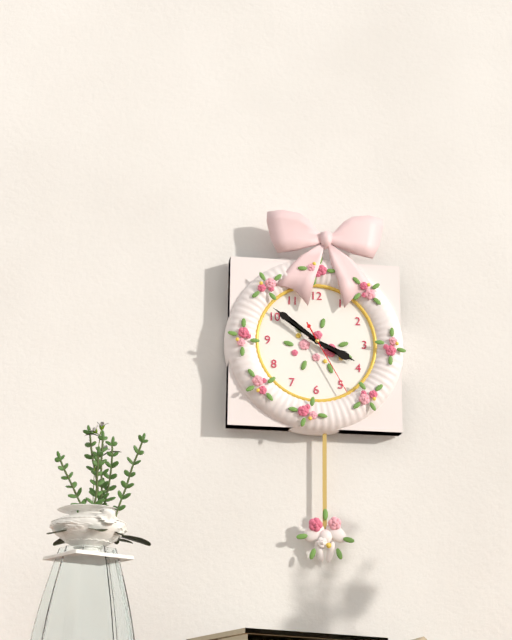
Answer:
3 h 51 min 25 s
